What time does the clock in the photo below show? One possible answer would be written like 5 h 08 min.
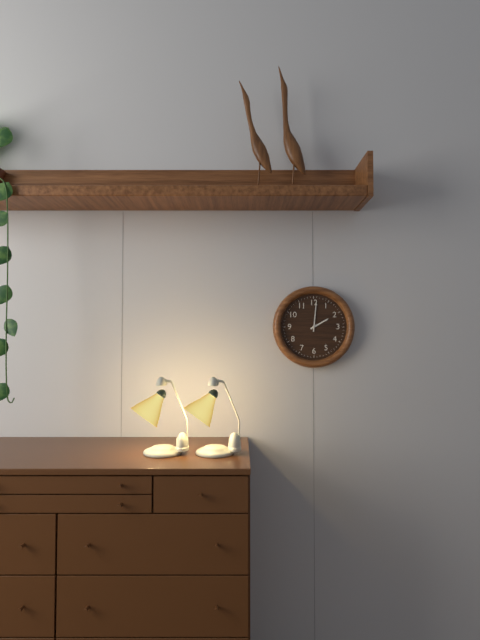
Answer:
2 h 01 min
